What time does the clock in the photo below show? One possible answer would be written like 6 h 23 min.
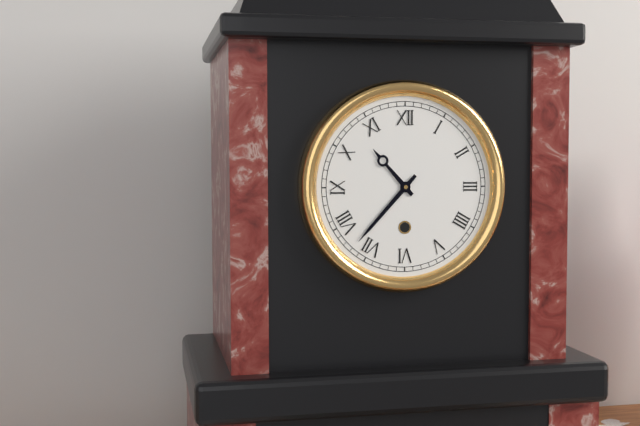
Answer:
10 h 37 min
